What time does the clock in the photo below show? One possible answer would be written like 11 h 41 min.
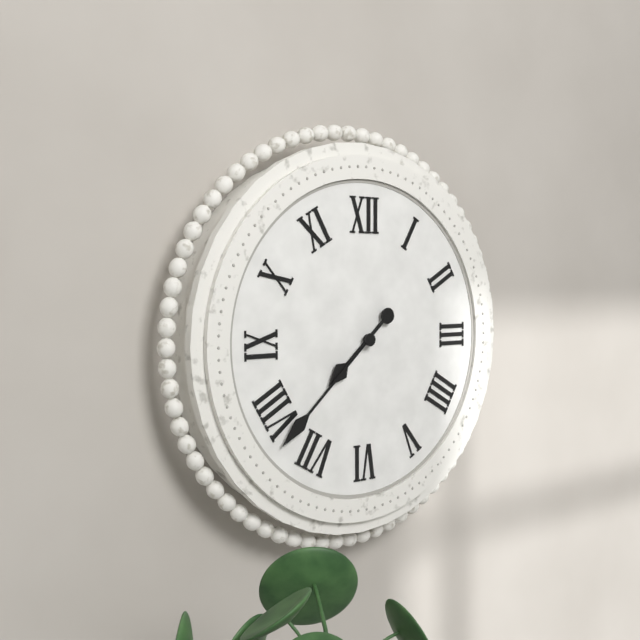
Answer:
7 h 38 min
